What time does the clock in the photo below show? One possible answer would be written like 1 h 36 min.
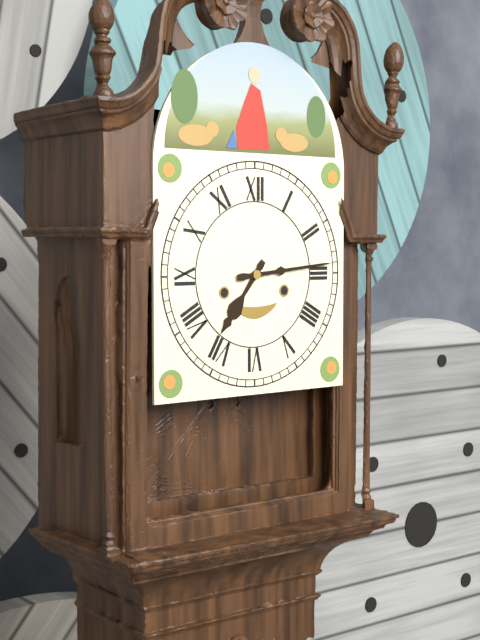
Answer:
7 h 14 min
